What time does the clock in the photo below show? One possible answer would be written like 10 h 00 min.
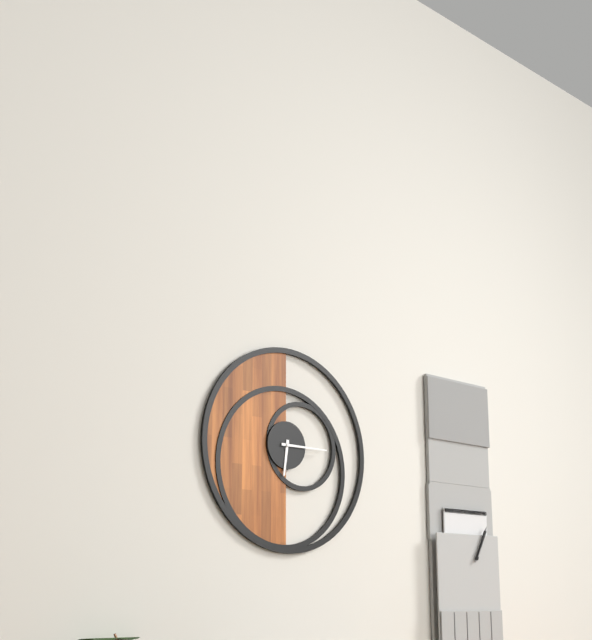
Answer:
6 h 15 min
